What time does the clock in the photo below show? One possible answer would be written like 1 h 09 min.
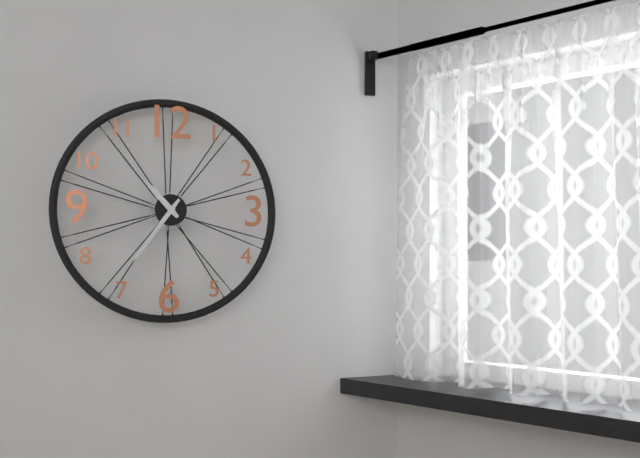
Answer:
10 h 36 min
